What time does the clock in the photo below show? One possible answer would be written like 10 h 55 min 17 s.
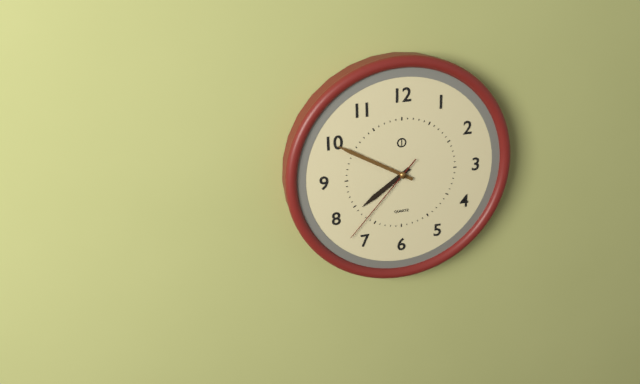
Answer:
7 h 50 min 37 s
